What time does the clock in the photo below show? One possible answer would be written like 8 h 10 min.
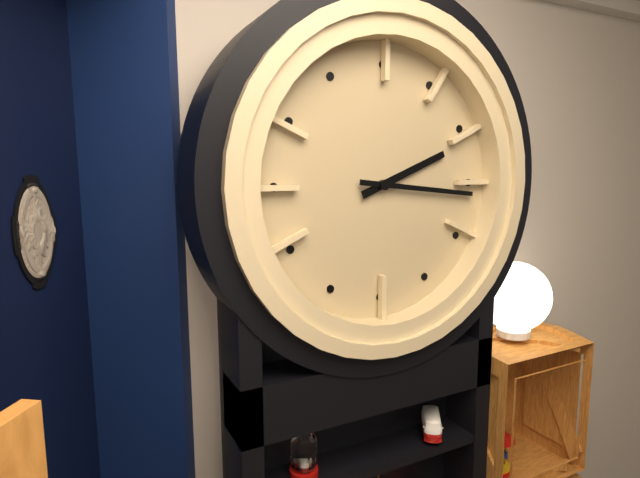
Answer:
2 h 16 min
